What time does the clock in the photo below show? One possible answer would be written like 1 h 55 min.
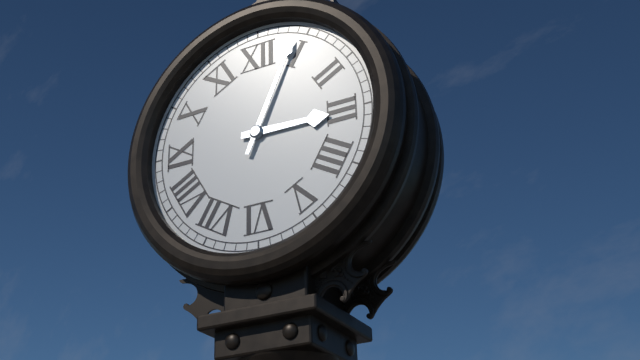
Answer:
3 h 04 min
